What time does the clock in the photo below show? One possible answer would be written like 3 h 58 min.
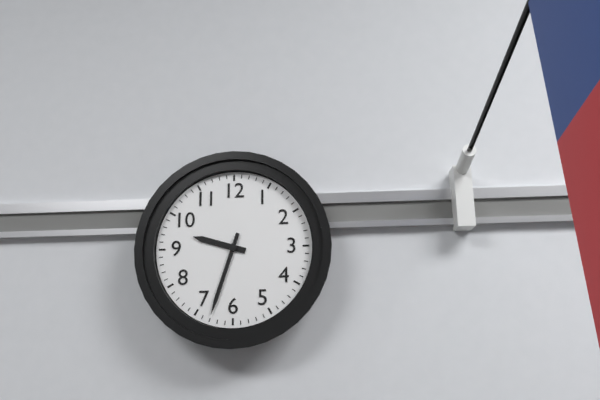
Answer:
9 h 33 min
